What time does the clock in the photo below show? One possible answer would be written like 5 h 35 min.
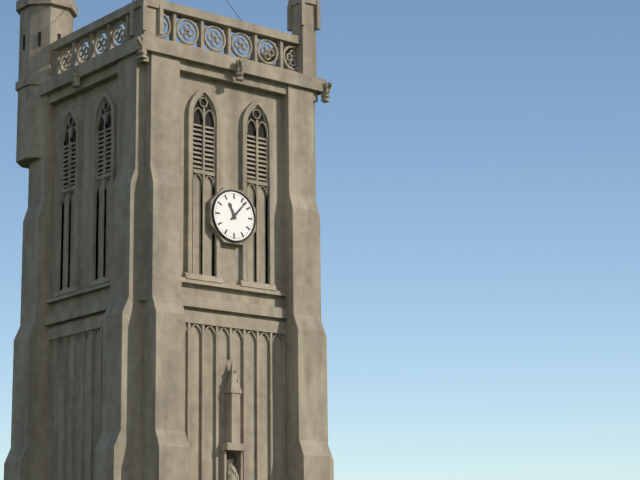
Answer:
11 h 07 min
